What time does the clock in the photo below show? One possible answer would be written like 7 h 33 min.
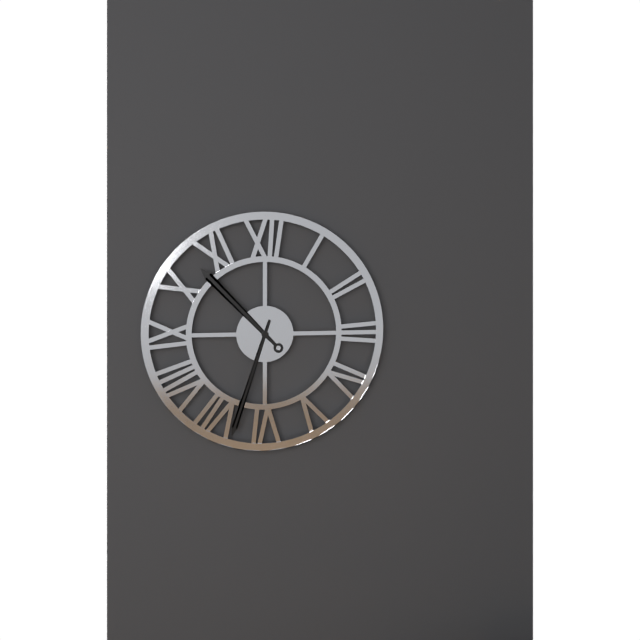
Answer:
10 h 33 min
